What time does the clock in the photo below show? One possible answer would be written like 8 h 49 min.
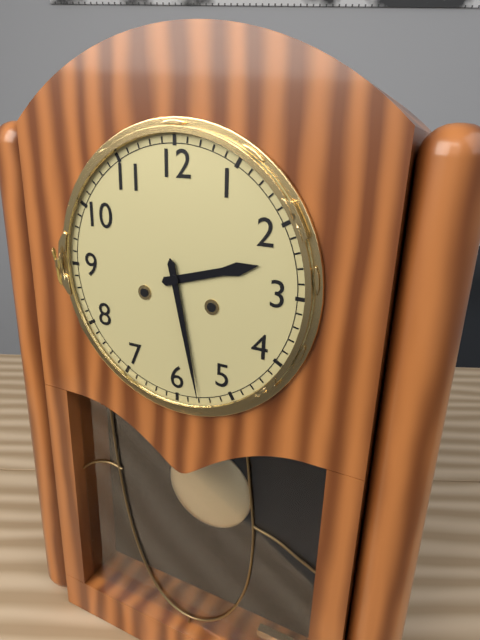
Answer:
2 h 28 min
